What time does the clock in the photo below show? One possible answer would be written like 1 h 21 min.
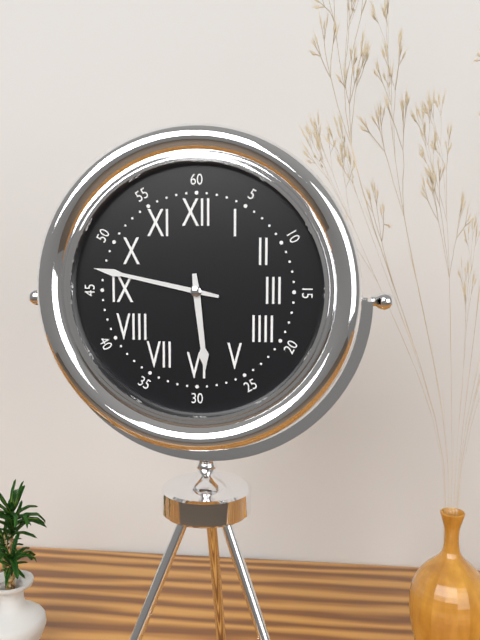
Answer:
5 h 47 min
